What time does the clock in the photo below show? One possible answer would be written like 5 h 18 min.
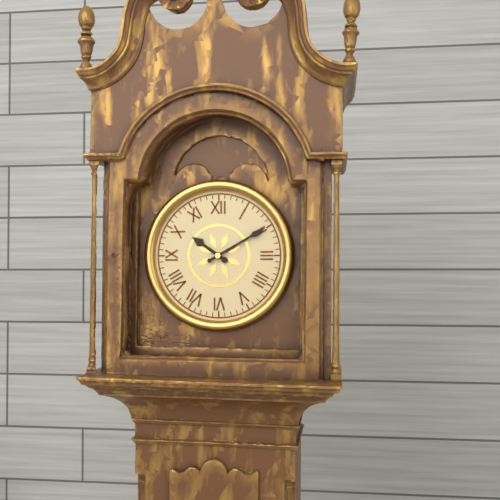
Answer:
10 h 10 min
